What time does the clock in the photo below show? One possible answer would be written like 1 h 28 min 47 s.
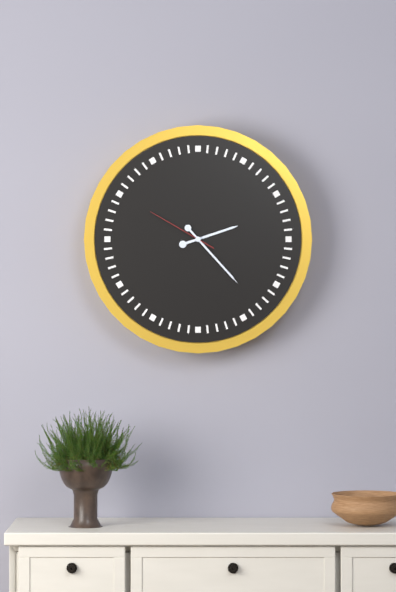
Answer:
2 h 23 min 50 s
